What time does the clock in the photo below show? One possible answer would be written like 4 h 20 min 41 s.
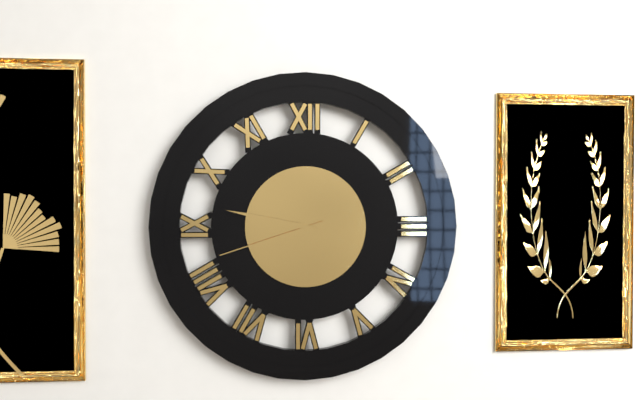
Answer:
4 h 47 min 42 s
